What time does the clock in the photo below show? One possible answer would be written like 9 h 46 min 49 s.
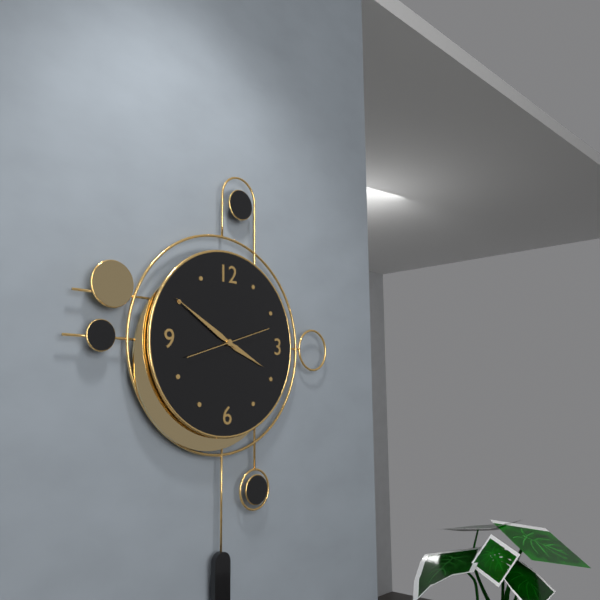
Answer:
3 h 50 min 12 s
